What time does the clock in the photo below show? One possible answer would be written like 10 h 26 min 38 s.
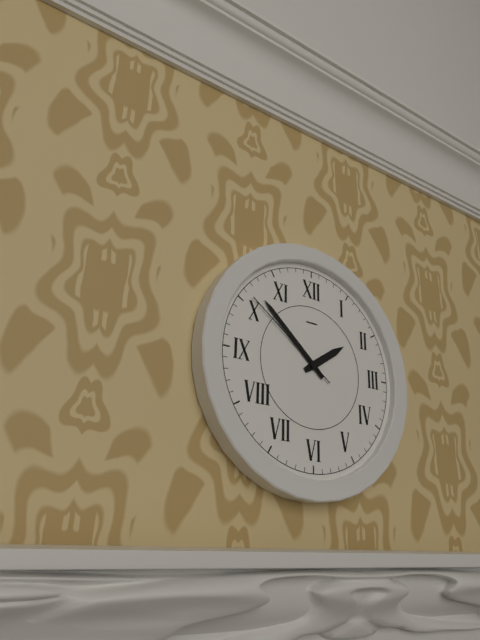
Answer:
1 h 52 min 51 s
